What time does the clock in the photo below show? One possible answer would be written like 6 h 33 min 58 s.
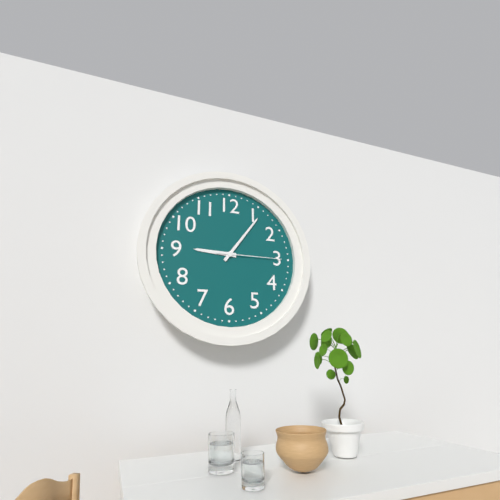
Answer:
9 h 06 min 15 s
